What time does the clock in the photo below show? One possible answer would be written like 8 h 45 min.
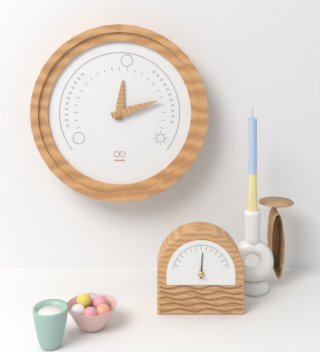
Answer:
12 h 12 min
